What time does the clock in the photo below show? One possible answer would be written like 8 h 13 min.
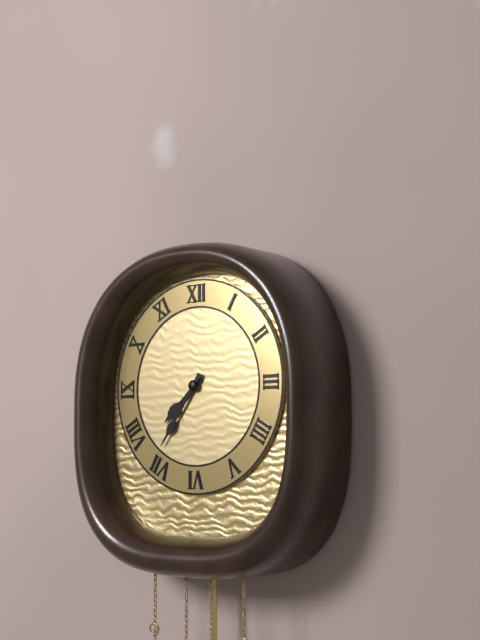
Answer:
7 h 36 min
